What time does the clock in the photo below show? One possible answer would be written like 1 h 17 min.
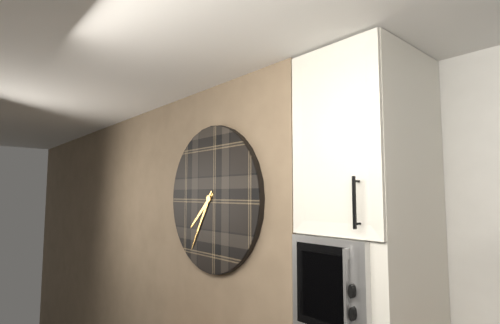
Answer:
7 h 35 min
